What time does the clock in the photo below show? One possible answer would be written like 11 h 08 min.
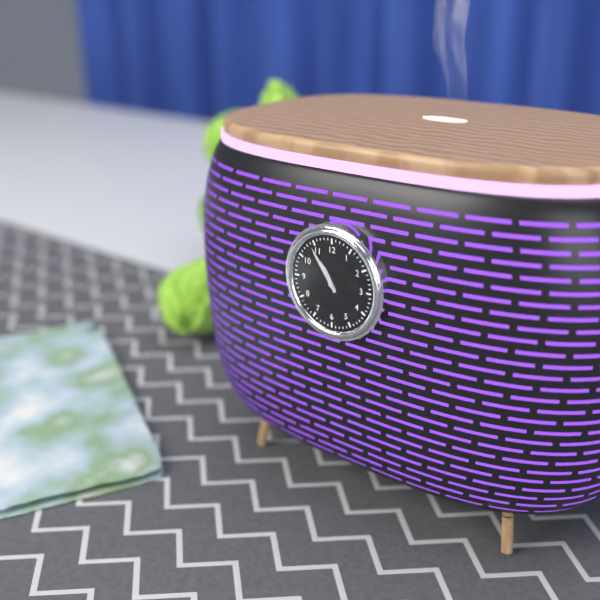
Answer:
10 h 54 min
